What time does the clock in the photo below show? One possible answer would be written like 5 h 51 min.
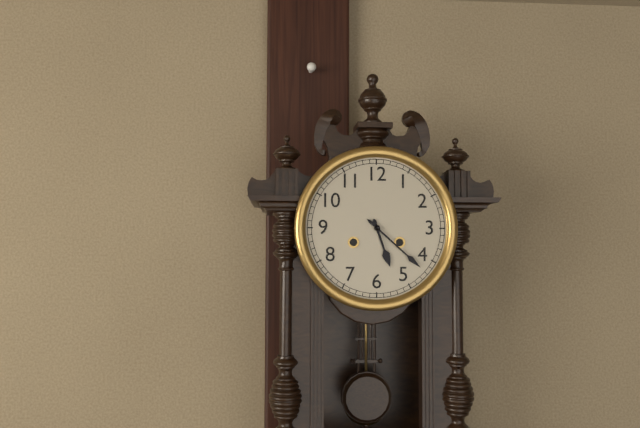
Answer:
5 h 22 min
